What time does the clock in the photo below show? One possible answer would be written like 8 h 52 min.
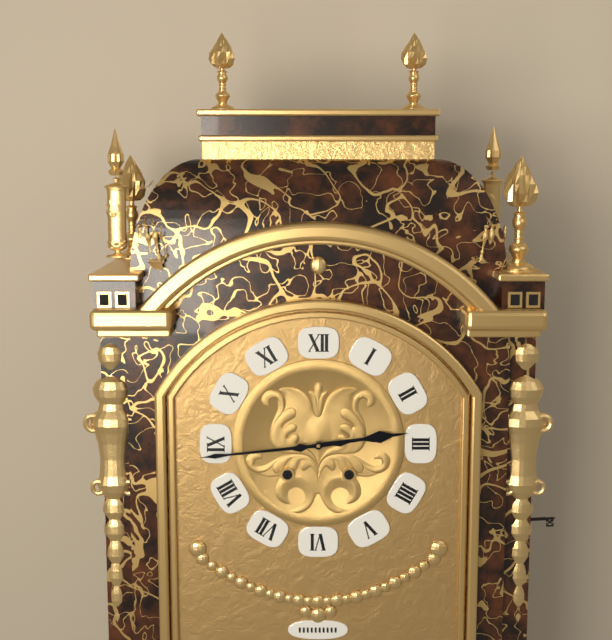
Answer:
2 h 44 min
